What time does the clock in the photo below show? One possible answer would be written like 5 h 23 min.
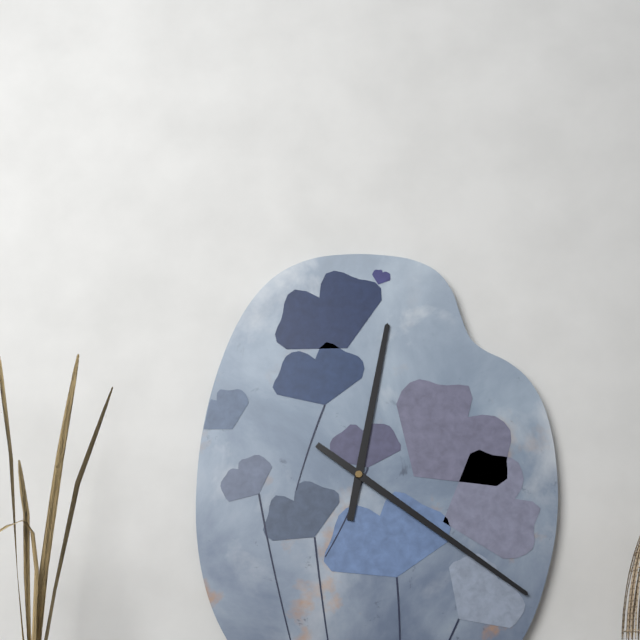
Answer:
12 h 21 min
